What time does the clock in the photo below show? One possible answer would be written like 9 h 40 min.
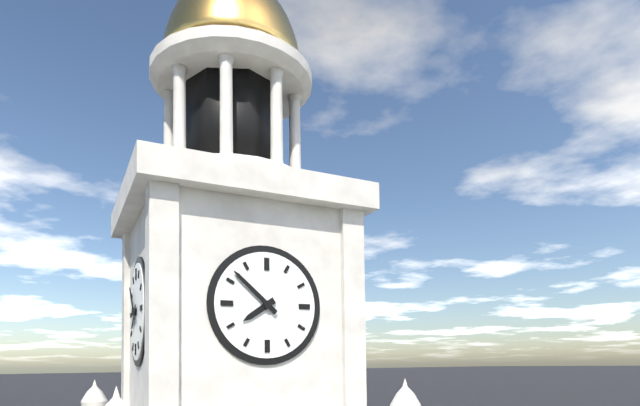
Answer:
7 h 52 min
